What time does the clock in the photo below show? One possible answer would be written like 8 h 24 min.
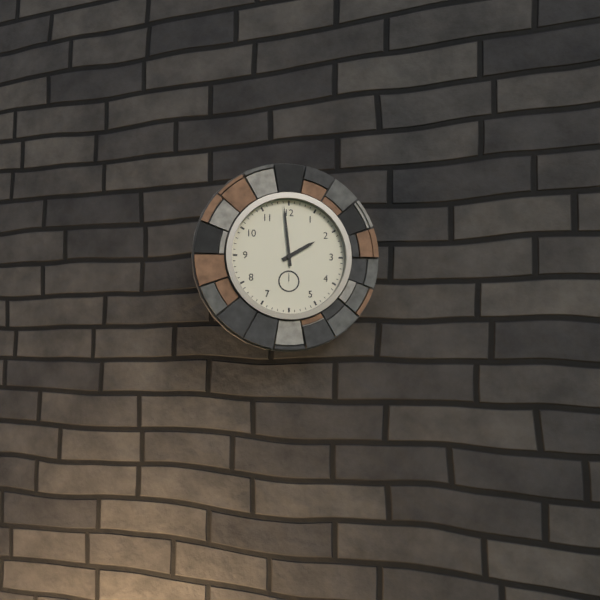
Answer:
1 h 59 min
